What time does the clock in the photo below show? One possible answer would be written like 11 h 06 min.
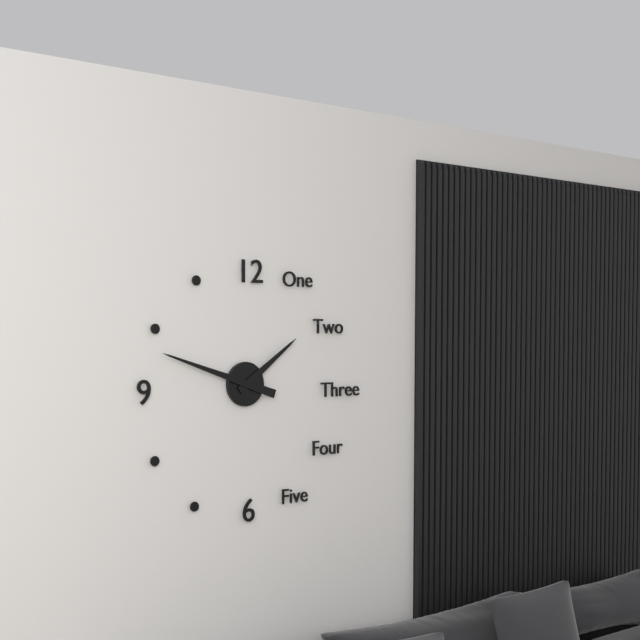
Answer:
1 h 48 min
